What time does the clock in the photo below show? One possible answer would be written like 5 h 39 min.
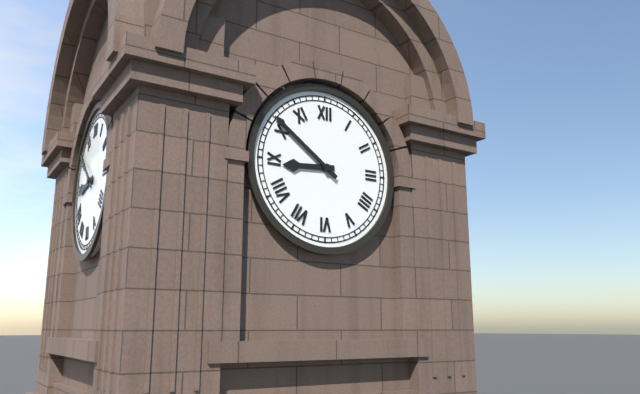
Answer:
8 h 51 min
